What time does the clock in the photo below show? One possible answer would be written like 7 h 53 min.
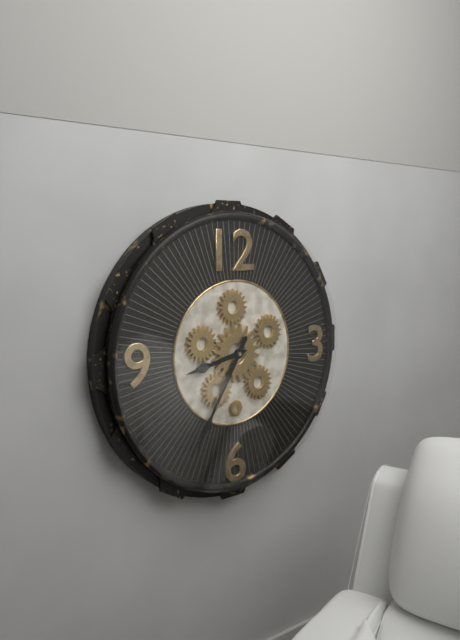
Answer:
8 h 35 min
